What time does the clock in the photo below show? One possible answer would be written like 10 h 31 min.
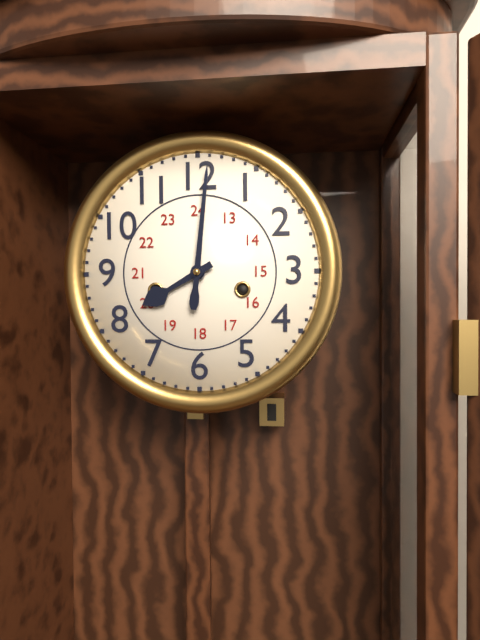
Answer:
8 h 01 min
